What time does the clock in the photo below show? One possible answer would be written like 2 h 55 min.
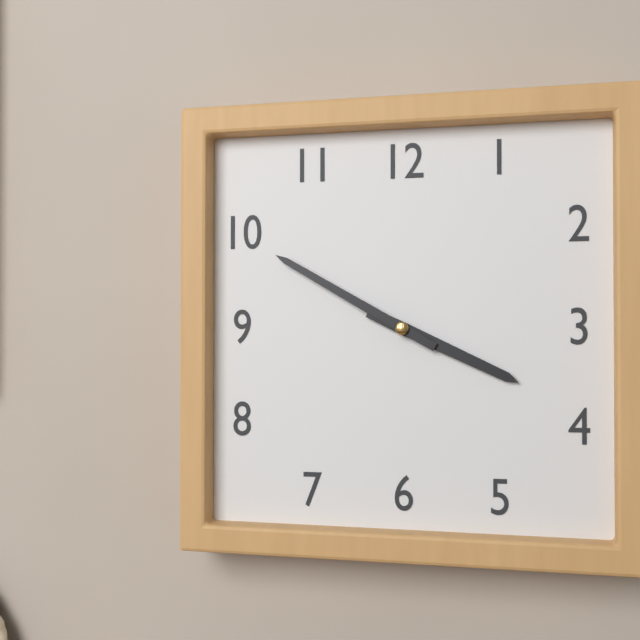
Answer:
3 h 50 min
